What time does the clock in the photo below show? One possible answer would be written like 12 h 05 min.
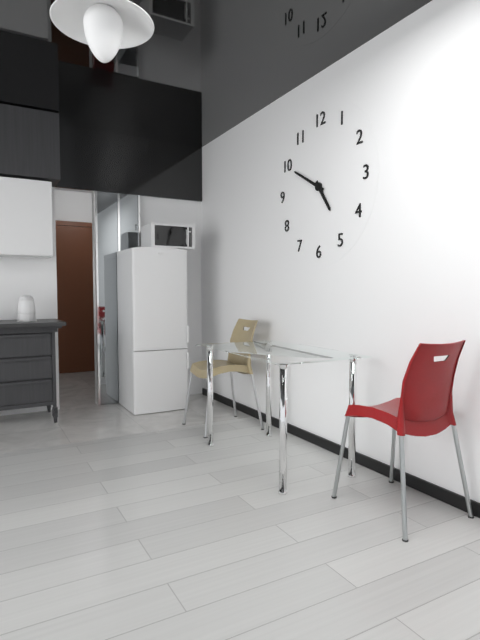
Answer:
4 h 50 min
